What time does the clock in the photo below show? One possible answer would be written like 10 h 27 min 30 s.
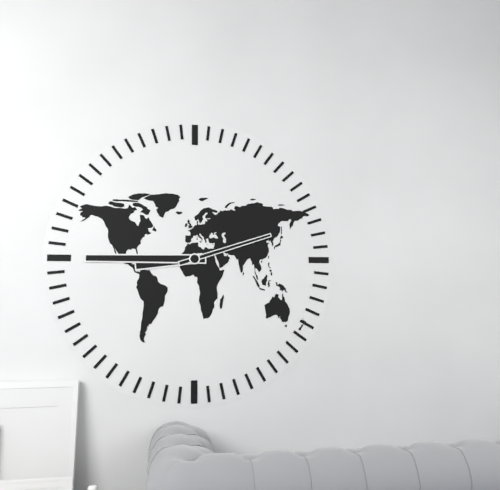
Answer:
8 h 45 min 12 s
